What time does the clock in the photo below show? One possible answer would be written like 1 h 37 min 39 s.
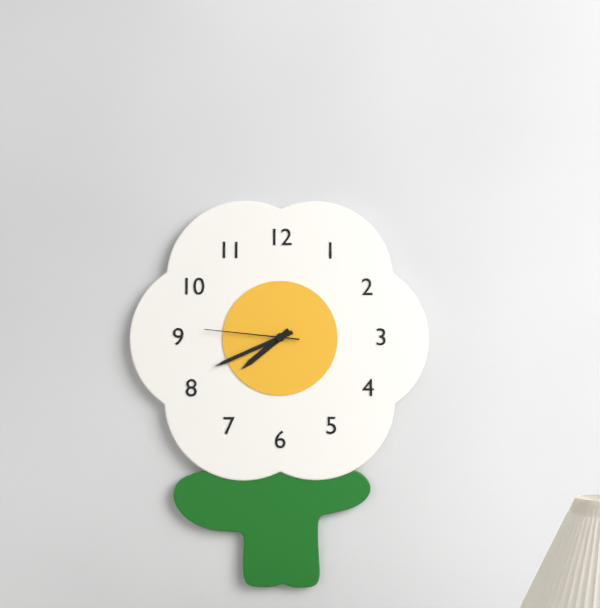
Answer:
7 h 41 min 46 s
